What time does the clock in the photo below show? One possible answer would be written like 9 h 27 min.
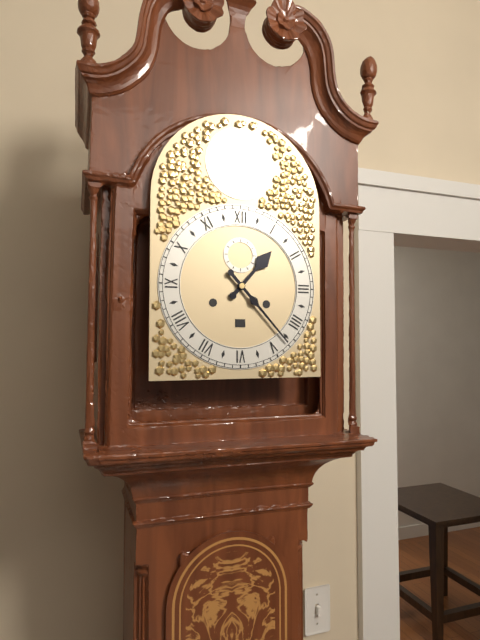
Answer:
1 h 23 min
